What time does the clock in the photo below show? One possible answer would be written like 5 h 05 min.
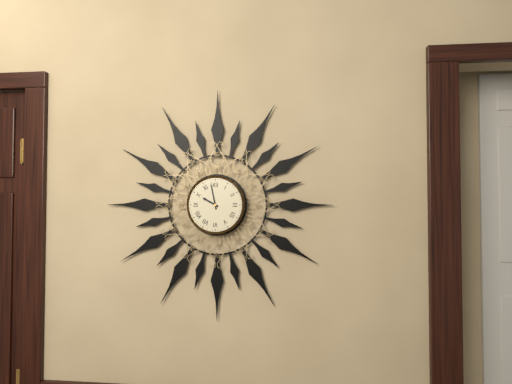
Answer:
9 h 58 min
